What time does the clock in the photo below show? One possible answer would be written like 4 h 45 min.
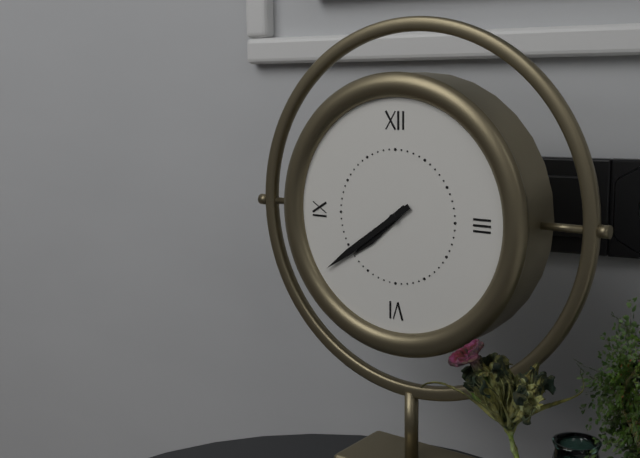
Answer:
7 h 39 min
